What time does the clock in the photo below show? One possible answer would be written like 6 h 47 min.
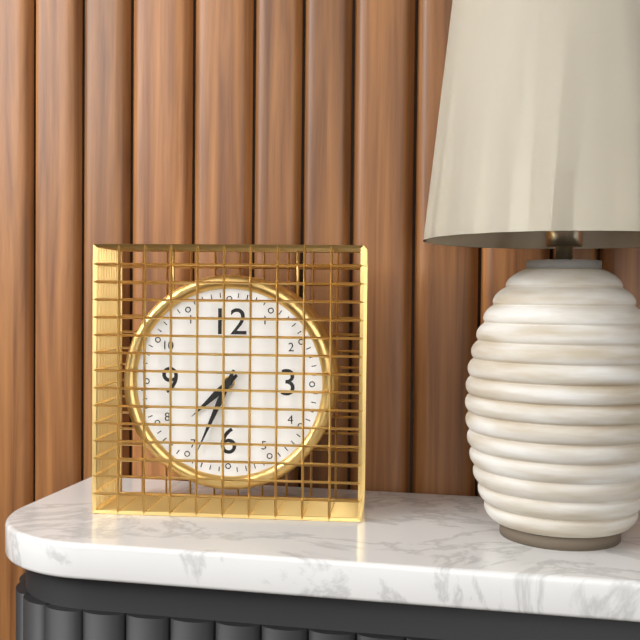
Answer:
7 h 34 min
